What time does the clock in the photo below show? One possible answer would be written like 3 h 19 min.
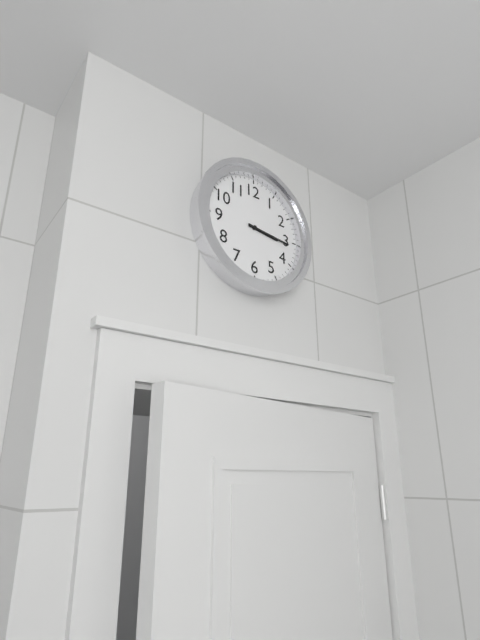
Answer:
3 h 16 min
